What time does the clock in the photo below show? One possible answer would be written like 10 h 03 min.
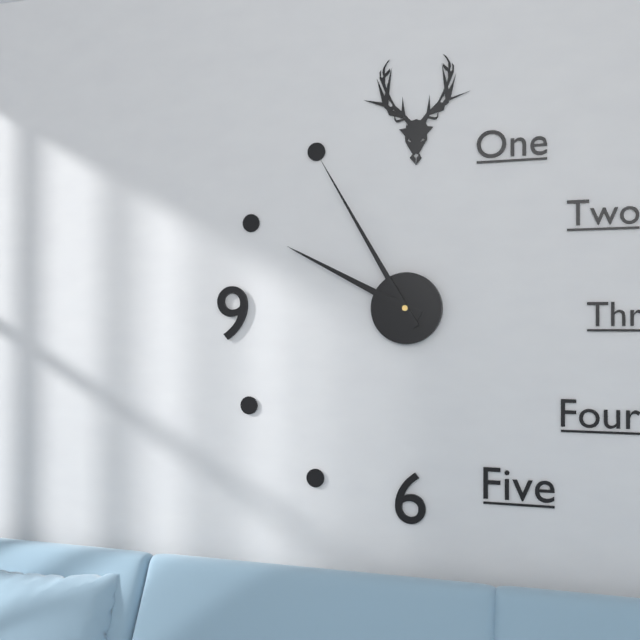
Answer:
9 h 55 min
